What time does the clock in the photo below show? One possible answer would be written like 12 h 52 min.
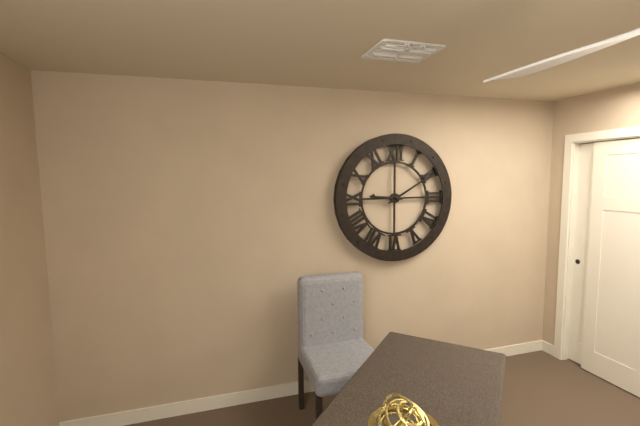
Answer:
9 h 10 min
